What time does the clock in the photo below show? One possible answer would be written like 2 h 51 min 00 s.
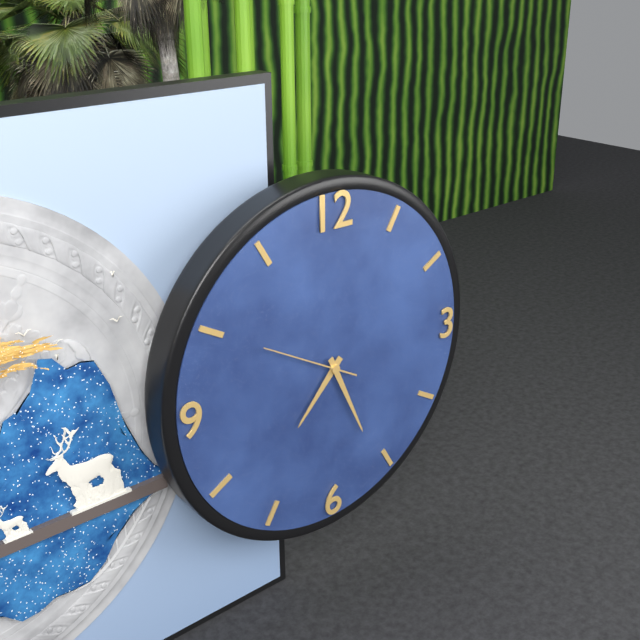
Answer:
7 h 26 min 50 s
